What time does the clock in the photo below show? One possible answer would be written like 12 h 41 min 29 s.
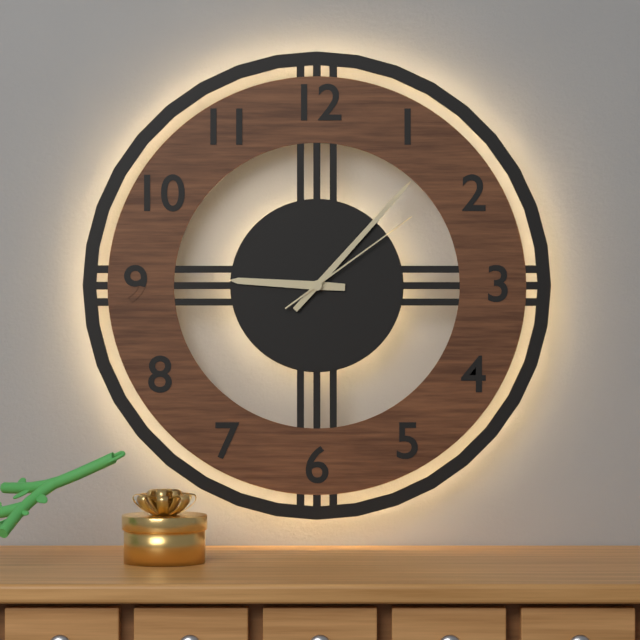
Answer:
9 h 07 min 09 s
